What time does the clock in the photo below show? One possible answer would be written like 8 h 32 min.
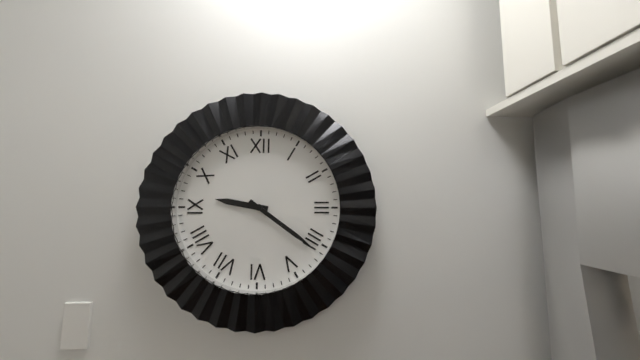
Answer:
9 h 21 min
